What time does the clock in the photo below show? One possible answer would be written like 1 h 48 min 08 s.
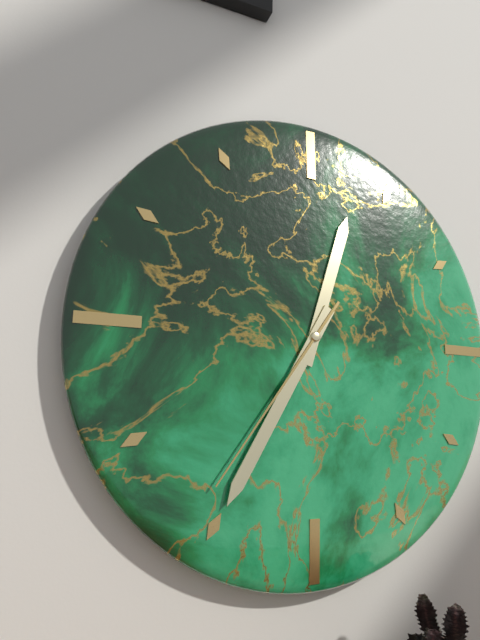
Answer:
12 h 35 min 36 s
